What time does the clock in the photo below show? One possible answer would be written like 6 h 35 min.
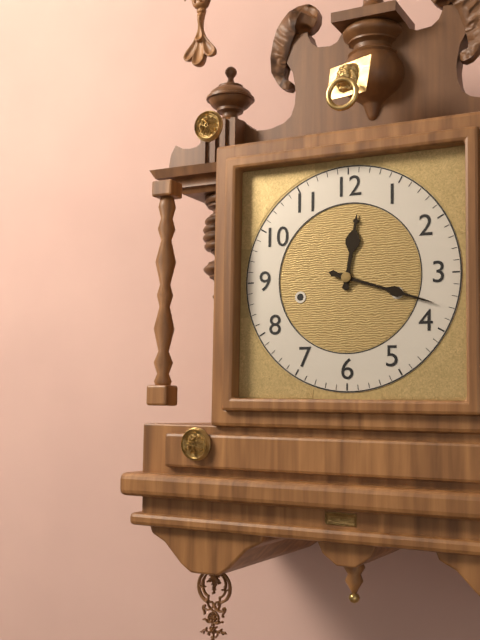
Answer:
12 h 18 min
